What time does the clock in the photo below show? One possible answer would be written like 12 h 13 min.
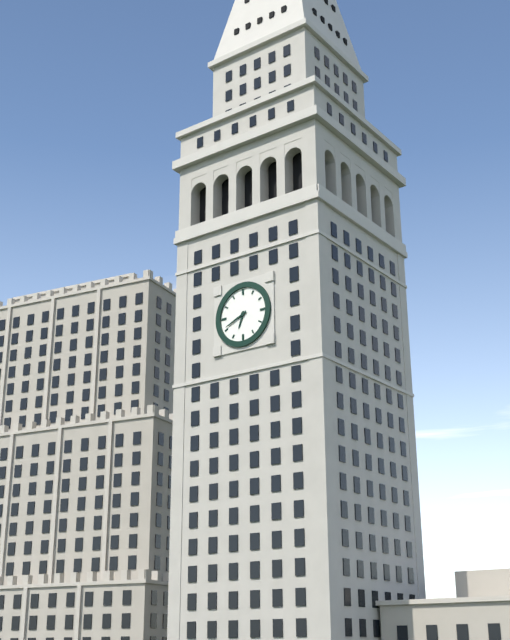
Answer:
6 h 41 min
